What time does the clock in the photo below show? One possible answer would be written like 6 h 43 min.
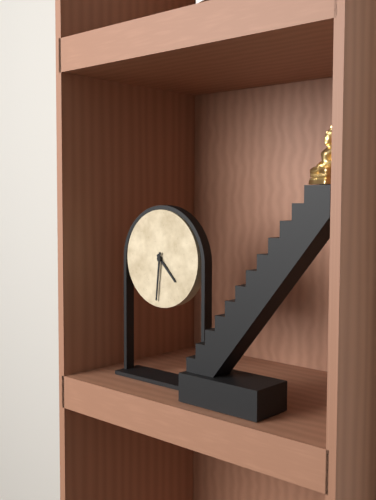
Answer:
4 h 31 min
